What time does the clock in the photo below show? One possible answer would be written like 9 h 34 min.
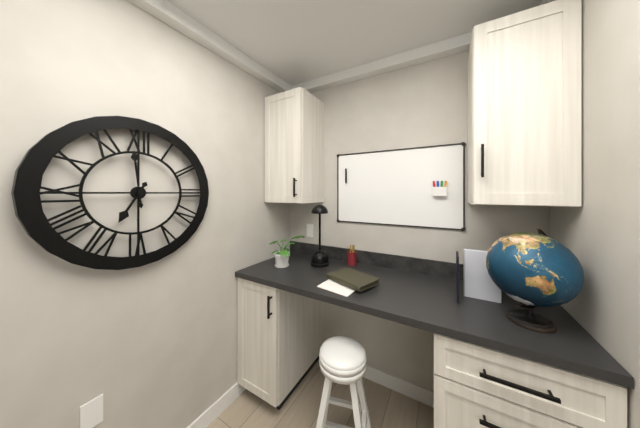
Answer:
6 h 59 min
